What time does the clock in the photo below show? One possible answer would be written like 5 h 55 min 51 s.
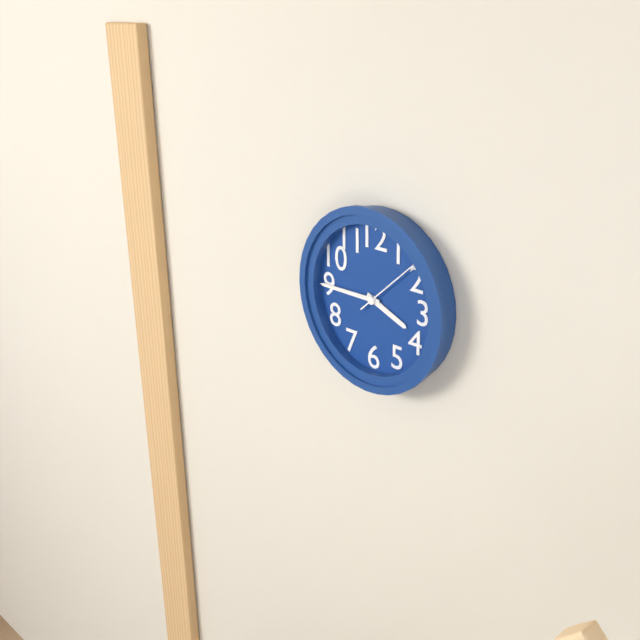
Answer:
3 h 45 min 08 s
